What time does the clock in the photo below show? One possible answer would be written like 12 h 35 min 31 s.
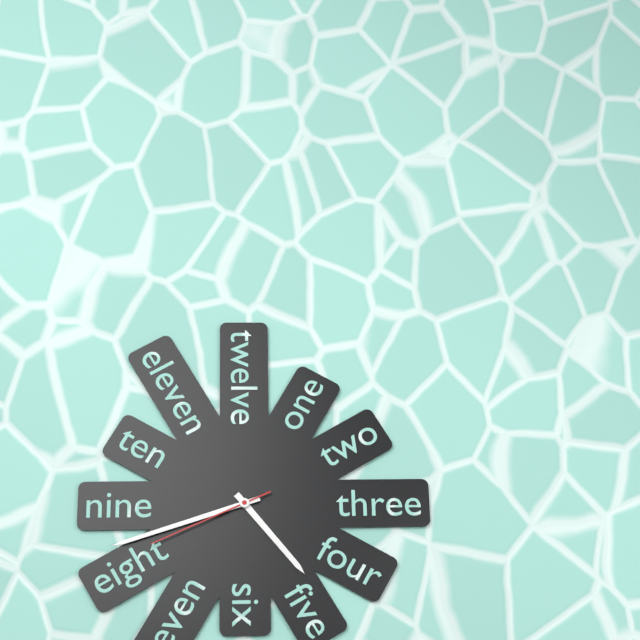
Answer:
4 h 42 min 41 s
